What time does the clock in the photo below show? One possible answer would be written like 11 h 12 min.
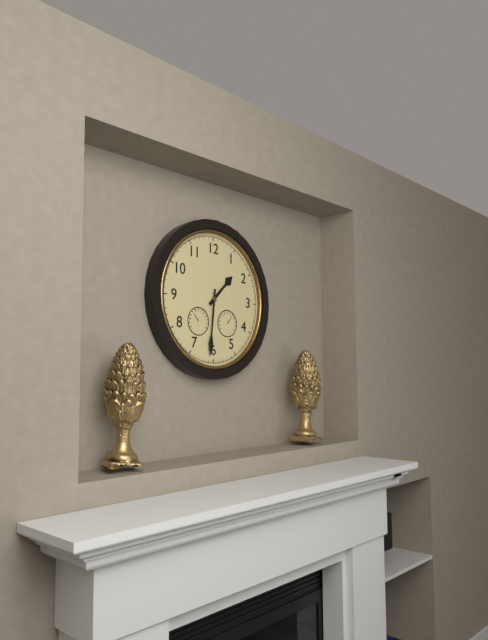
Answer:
1 h 31 min
